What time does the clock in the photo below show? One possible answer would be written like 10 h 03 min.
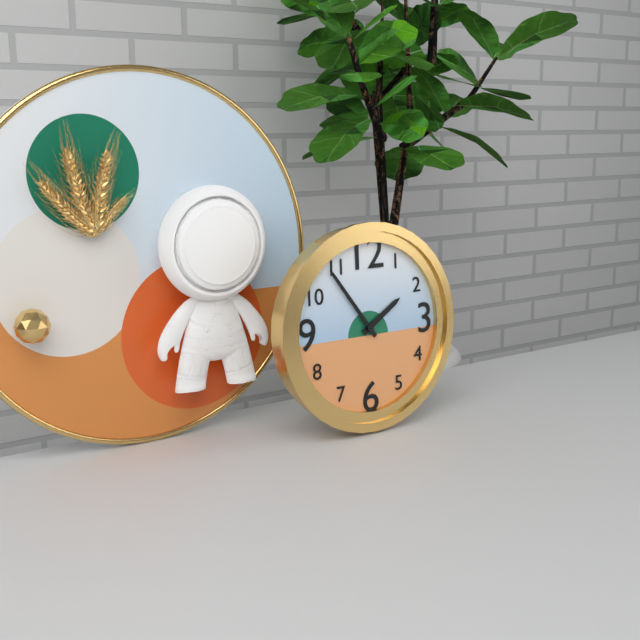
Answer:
1 h 54 min
